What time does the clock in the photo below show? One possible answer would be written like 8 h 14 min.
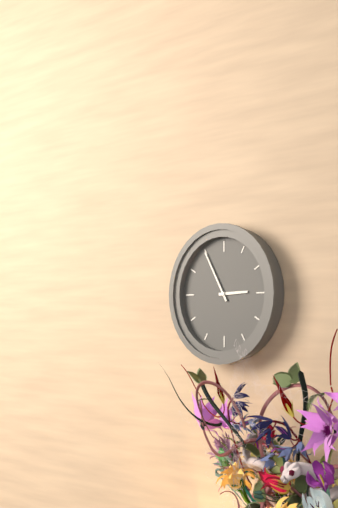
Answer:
2 h 55 min
